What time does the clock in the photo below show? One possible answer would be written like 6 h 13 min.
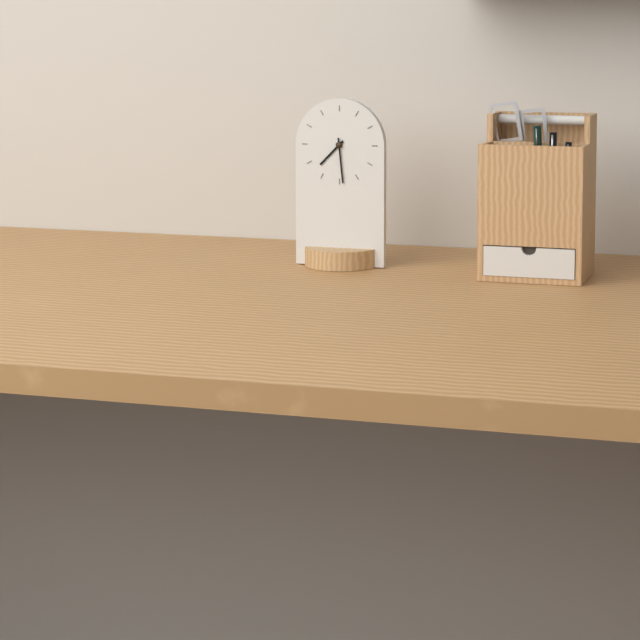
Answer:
7 h 29 min
